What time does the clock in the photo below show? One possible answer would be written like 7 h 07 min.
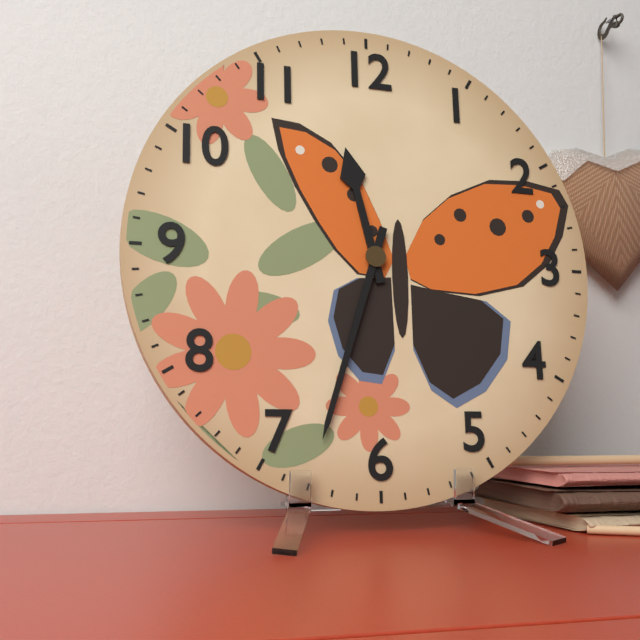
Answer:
11 h 33 min
